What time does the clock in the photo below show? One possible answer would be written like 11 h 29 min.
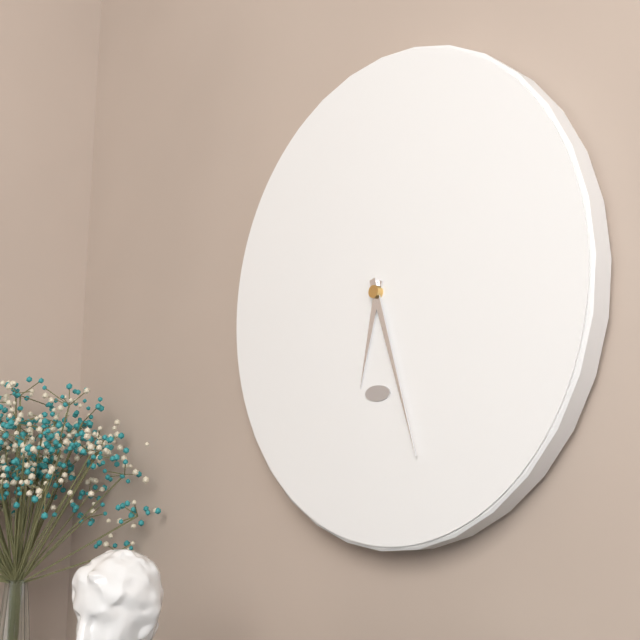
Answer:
6 h 27 min
